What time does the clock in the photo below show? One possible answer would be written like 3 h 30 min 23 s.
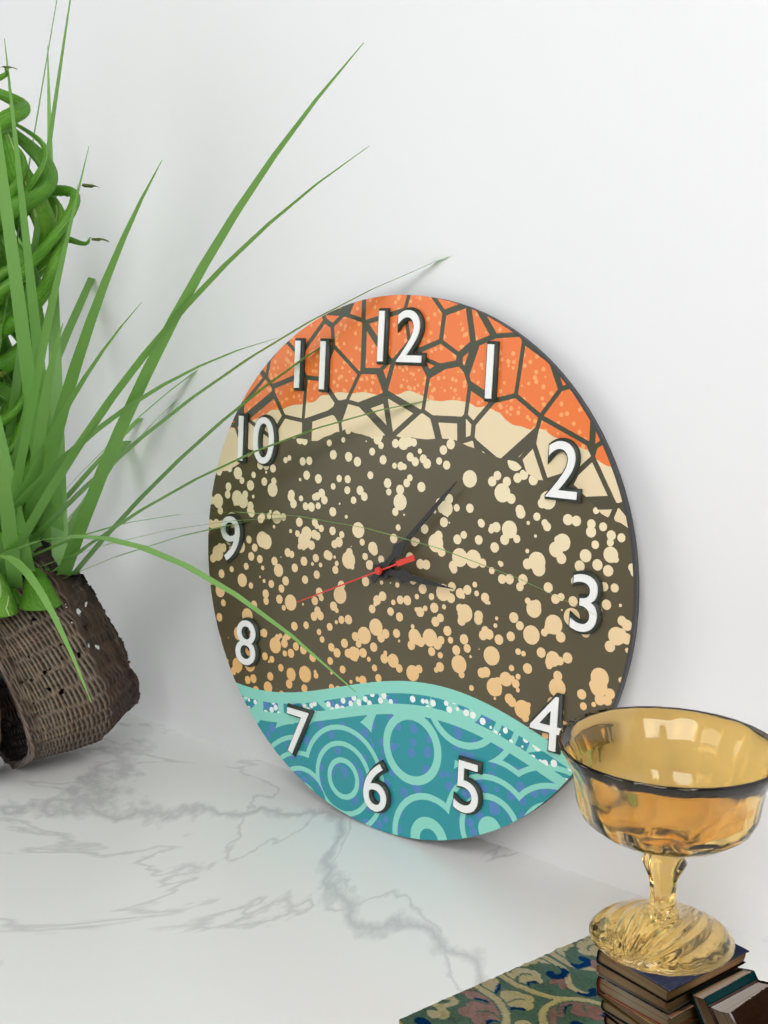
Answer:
3 h 07 min 41 s
